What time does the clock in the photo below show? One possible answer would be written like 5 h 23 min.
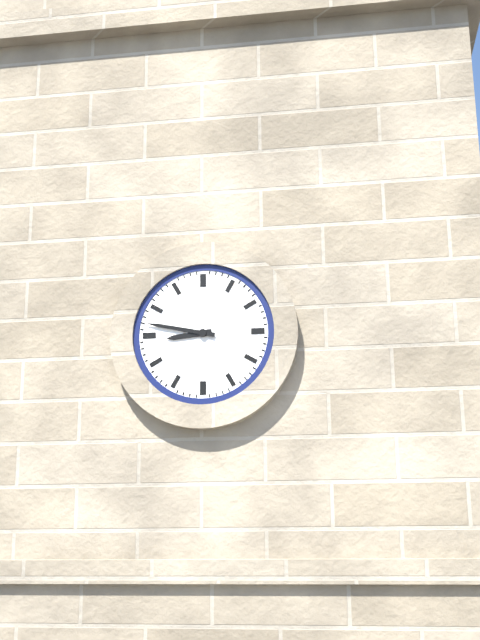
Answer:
8 h 47 min
